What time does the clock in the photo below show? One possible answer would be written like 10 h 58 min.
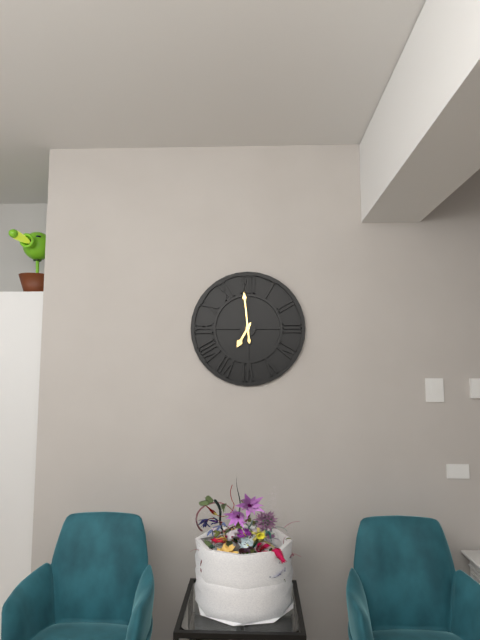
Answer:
6 h 59 min
